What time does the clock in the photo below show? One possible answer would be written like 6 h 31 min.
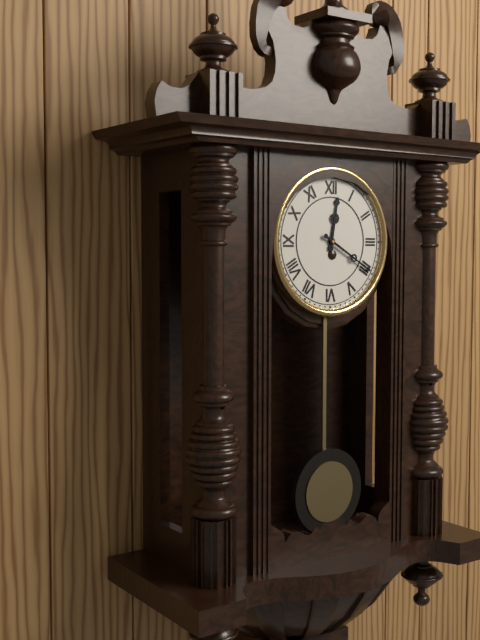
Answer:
12 h 20 min
